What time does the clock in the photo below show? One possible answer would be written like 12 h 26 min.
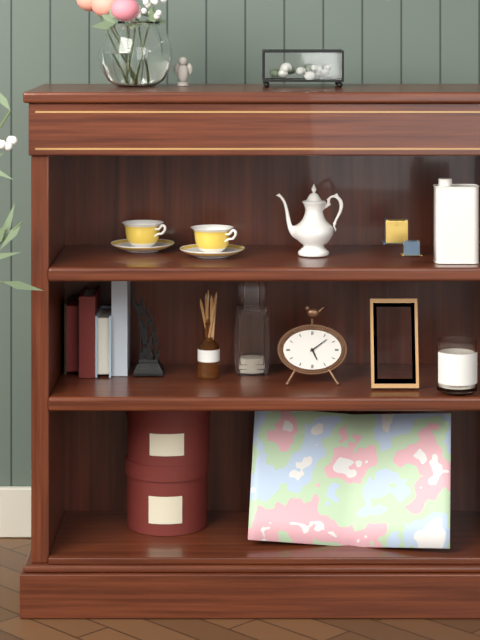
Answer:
5 h 09 min
